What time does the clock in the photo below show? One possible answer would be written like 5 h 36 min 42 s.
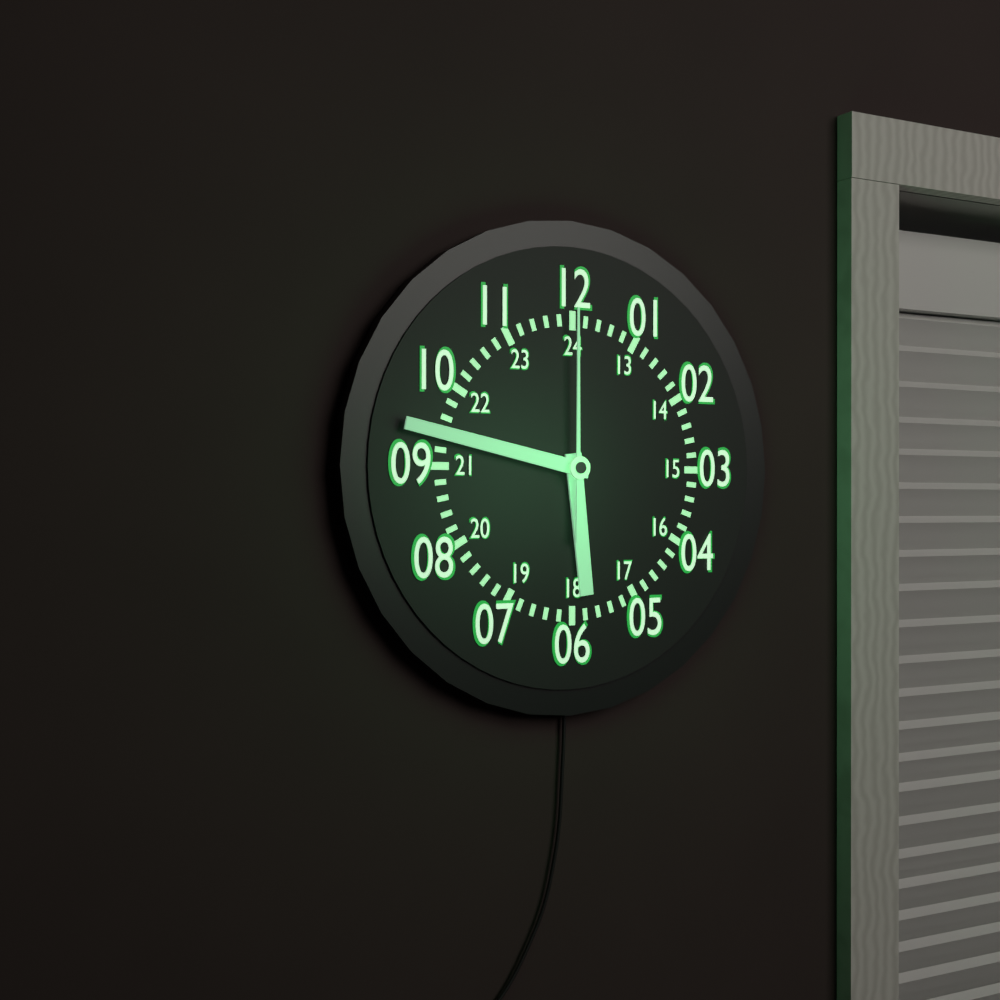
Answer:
5 h 47 min 00 s
